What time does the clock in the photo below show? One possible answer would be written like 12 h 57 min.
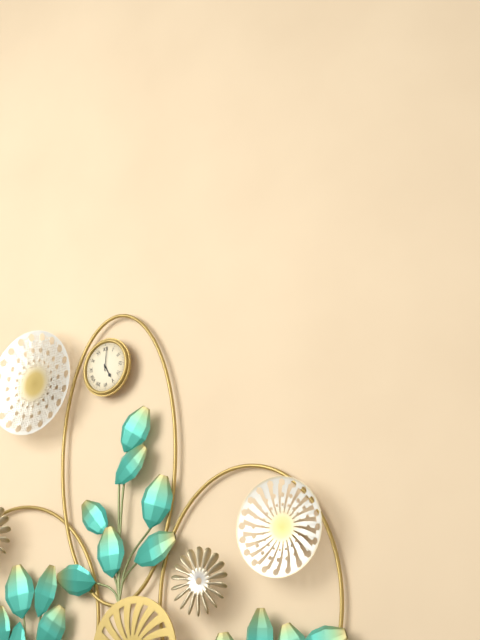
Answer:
5 h 01 min
